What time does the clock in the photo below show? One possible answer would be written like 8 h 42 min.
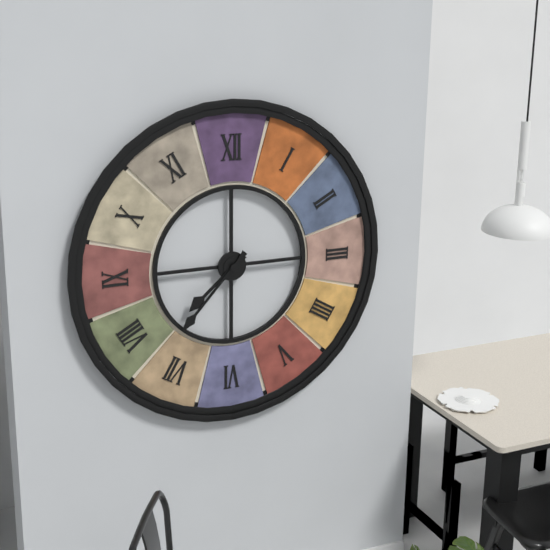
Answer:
7 h 37 min
